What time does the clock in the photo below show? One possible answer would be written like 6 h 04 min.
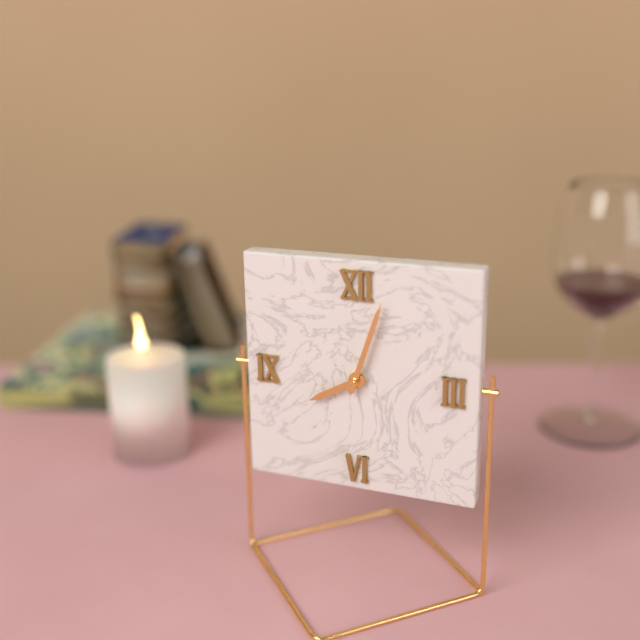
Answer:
8 h 03 min
